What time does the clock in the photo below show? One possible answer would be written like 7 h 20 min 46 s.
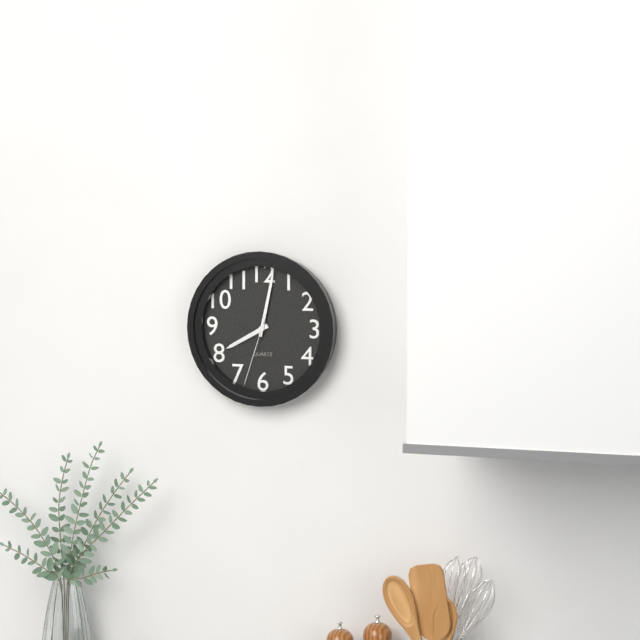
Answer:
8 h 02 min 33 s
